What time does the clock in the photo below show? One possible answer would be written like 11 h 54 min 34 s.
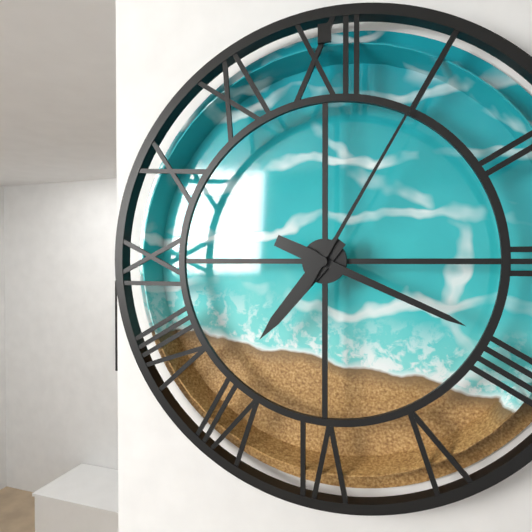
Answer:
7 h 19 min 05 s
